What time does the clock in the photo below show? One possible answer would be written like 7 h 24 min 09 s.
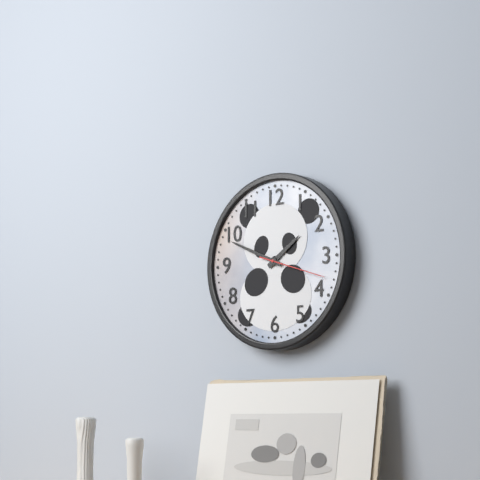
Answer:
1 h 49 min 18 s
